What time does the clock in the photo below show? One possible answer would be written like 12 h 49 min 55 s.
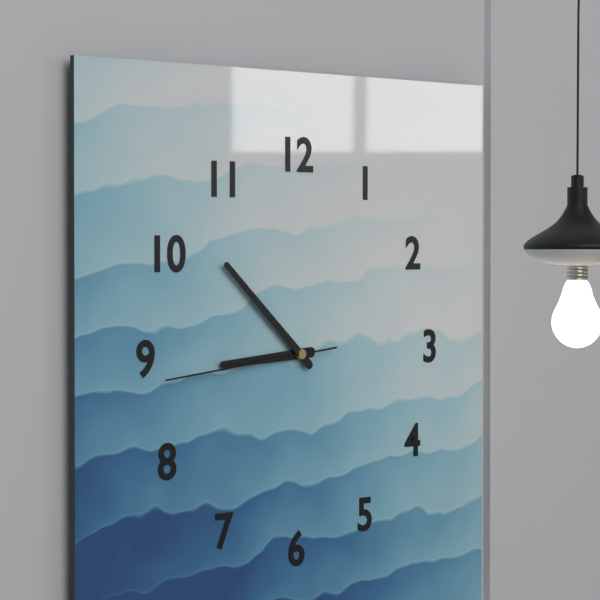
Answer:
8 h 52 min 44 s
